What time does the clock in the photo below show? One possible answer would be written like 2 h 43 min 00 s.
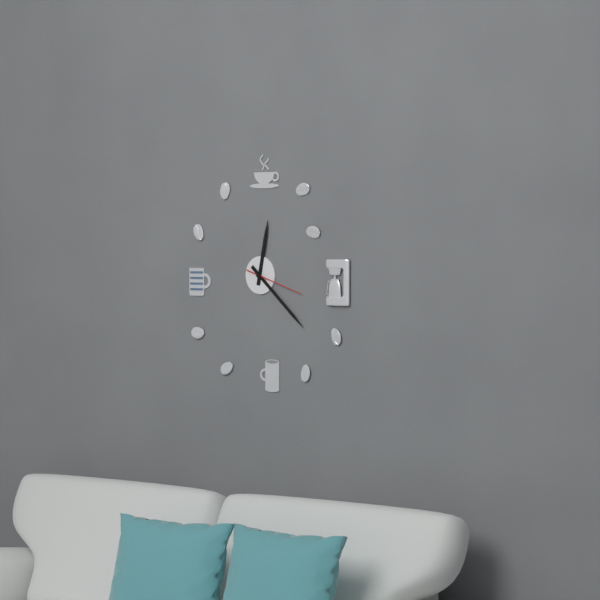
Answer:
12 h 22 min 18 s
